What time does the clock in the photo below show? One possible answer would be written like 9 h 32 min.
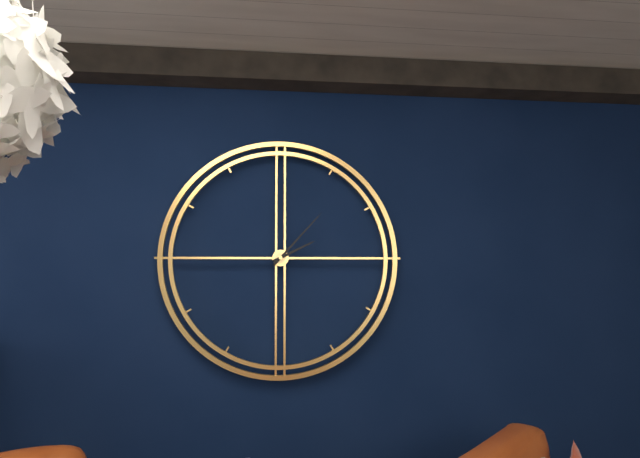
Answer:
2 h 07 min
